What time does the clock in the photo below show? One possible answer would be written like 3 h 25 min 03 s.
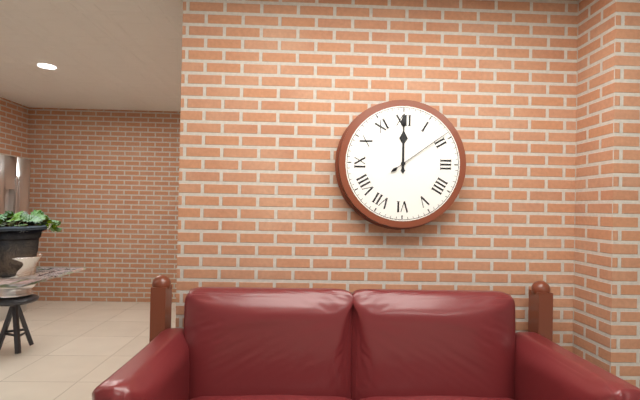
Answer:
12 h 00 min 09 s
